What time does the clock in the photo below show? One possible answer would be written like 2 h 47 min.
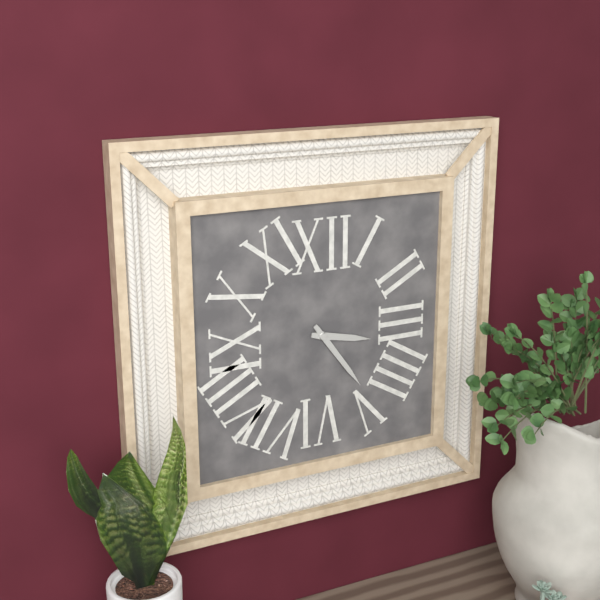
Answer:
3 h 24 min
